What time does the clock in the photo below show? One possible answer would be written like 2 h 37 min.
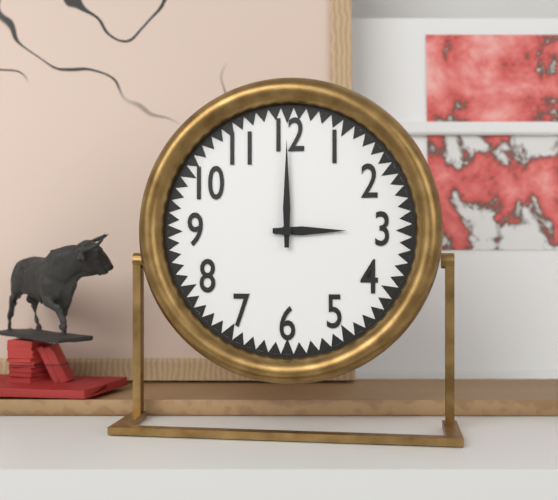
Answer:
3 h 00 min
